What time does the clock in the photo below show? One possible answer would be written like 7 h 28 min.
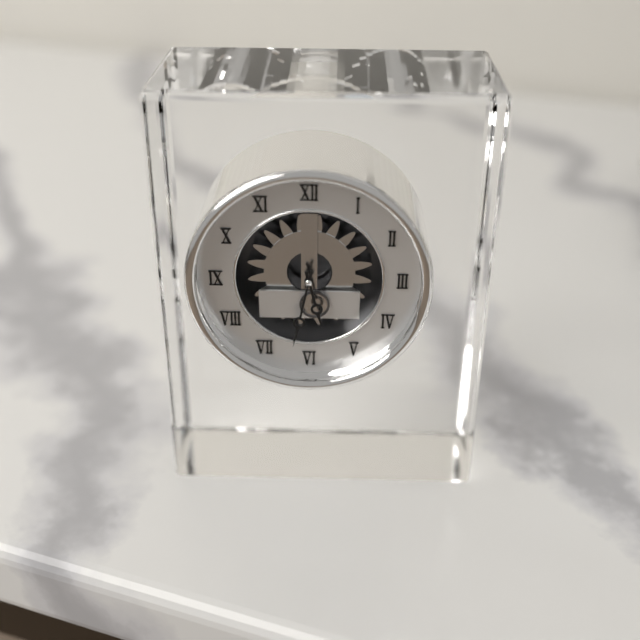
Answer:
5 h 32 min
